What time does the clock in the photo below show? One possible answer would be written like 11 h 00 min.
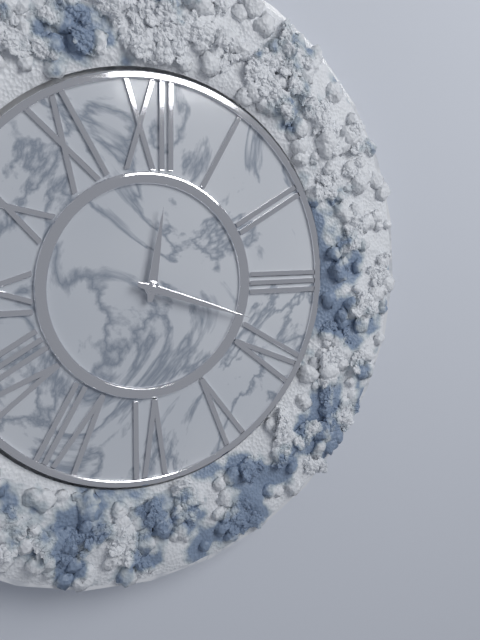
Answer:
12 h 18 min
